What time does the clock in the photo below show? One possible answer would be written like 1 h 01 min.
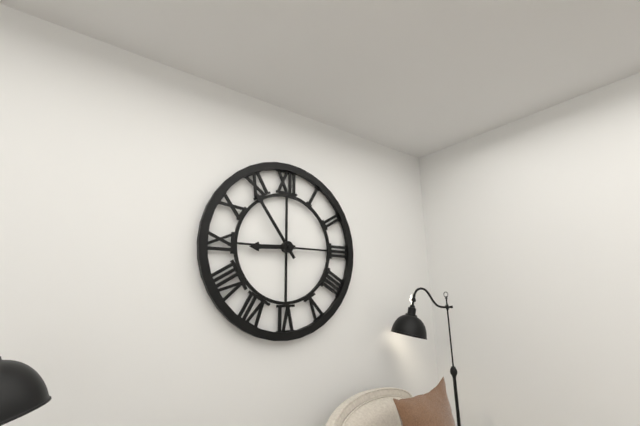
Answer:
8 h 54 min
